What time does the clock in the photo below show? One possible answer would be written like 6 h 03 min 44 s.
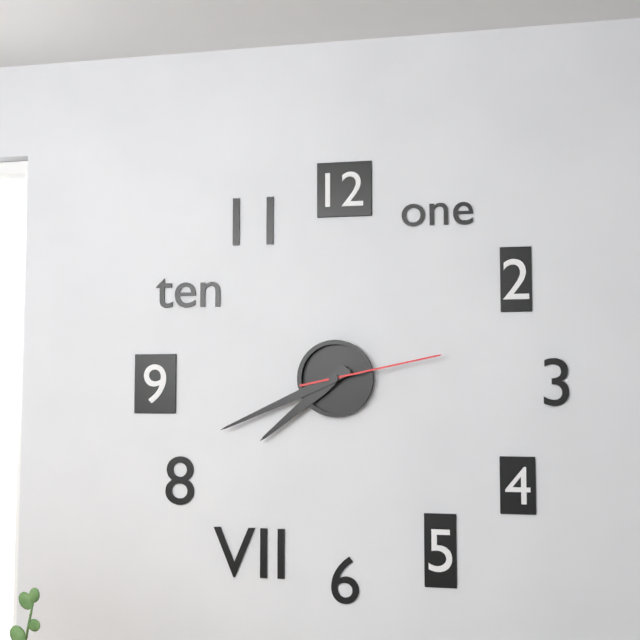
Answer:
7 h 41 min 13 s
